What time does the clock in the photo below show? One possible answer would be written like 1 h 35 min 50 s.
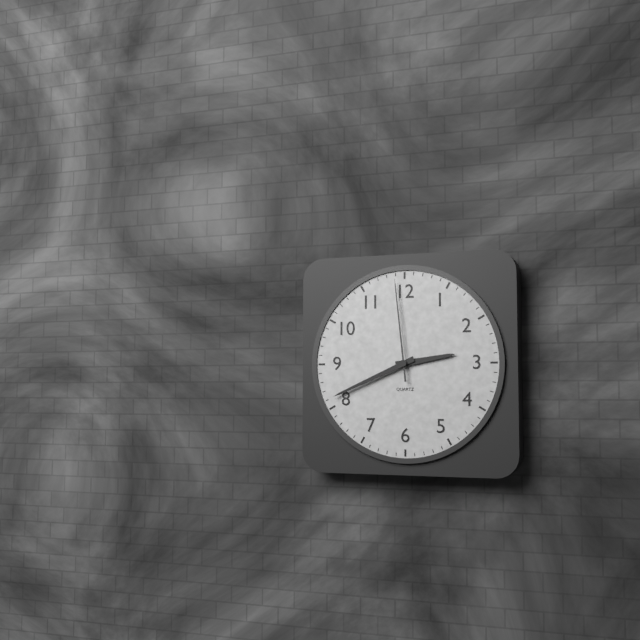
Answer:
2 h 41 min 59 s
